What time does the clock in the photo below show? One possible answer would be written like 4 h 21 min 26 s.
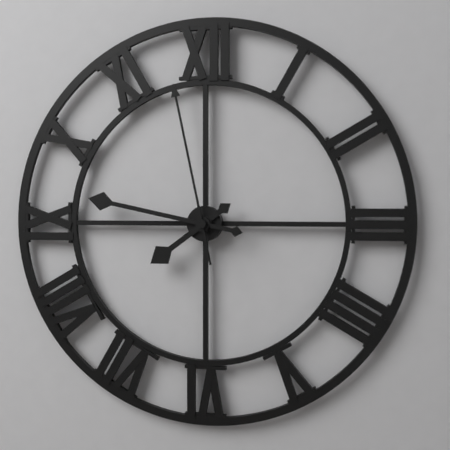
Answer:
7 h 47 min 58 s
